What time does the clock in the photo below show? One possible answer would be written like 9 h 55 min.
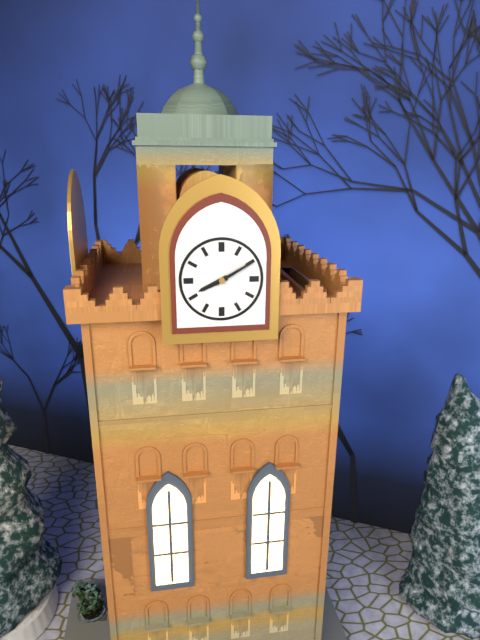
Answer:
8 h 10 min
